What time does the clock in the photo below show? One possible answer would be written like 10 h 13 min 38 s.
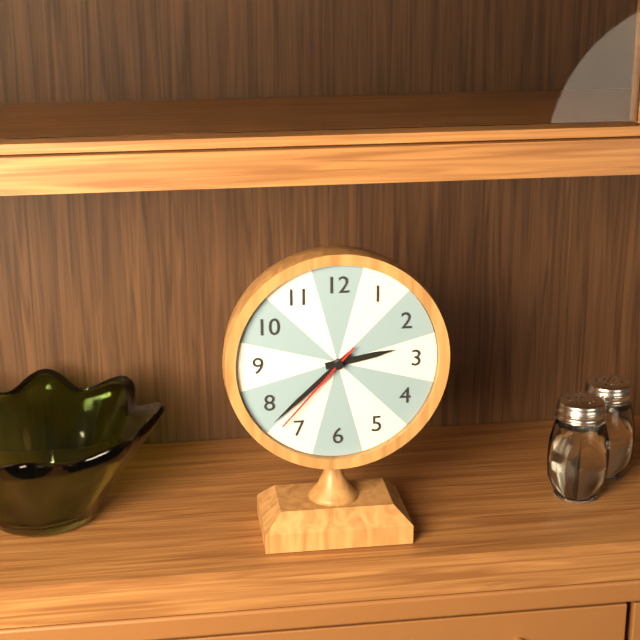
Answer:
2 h 38 min 37 s
